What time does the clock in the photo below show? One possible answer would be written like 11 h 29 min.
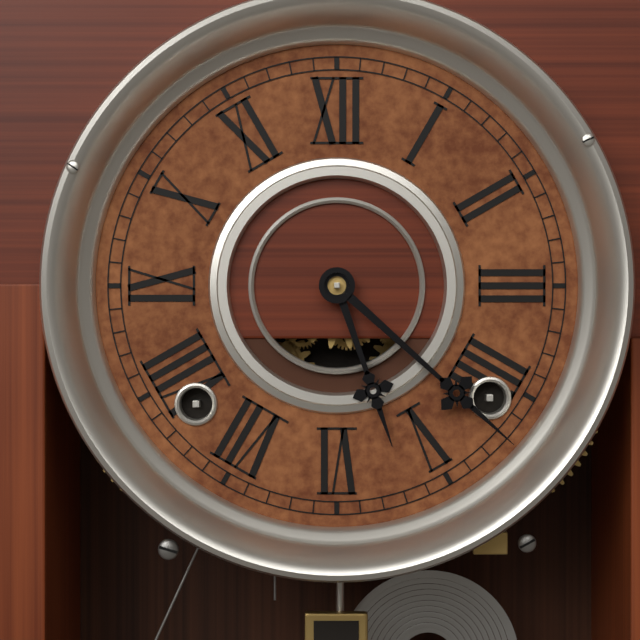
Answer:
5 h 22 min
